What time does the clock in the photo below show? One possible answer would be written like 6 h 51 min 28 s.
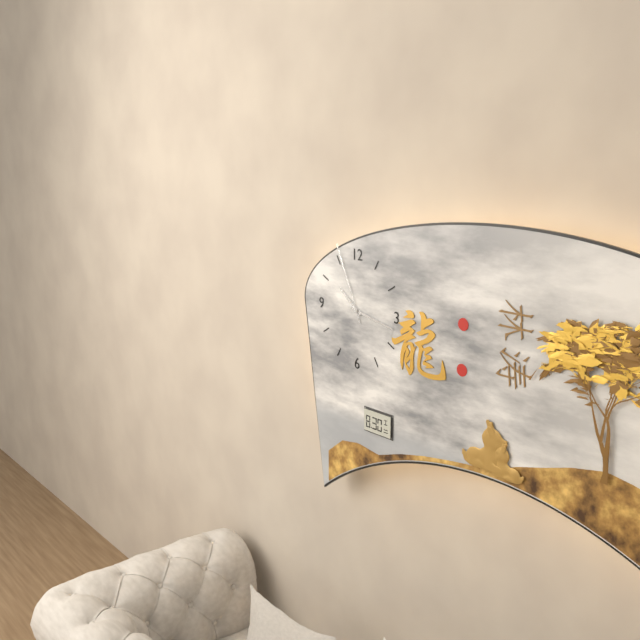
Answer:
10 h 17 min 56 s
